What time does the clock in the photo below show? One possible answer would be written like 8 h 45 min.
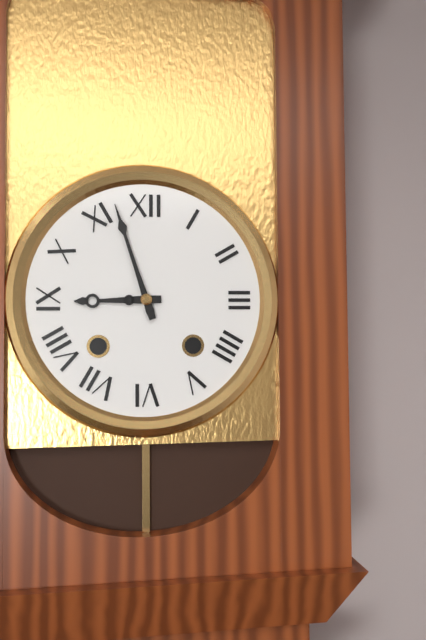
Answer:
8 h 57 min
